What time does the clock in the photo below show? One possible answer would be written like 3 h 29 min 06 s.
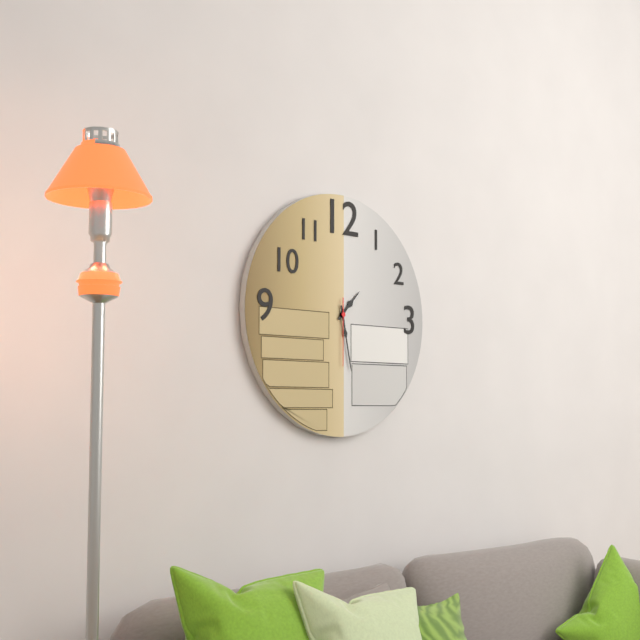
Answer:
1 h 28 min 30 s
